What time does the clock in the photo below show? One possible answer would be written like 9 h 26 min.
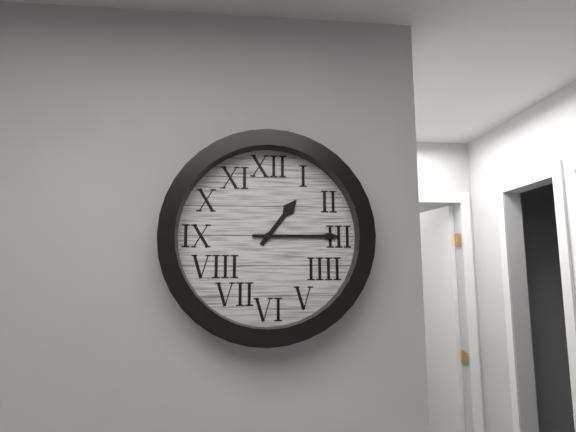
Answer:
1 h 15 min
